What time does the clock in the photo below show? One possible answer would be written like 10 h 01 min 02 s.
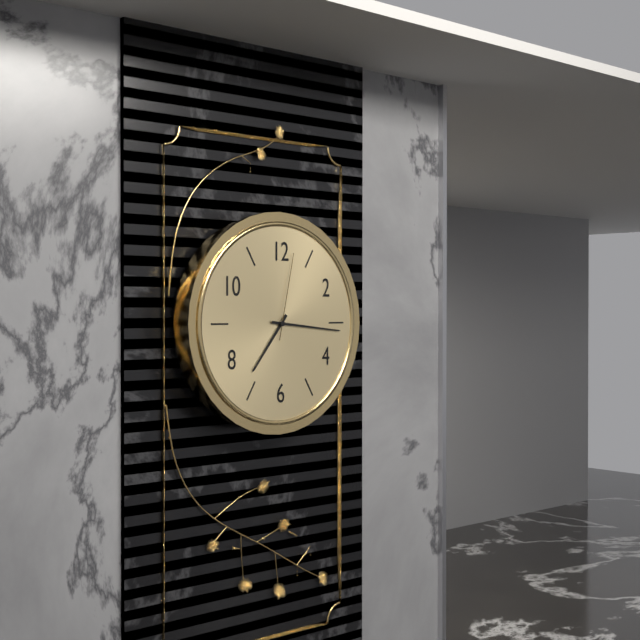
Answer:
7 h 16 min 02 s
